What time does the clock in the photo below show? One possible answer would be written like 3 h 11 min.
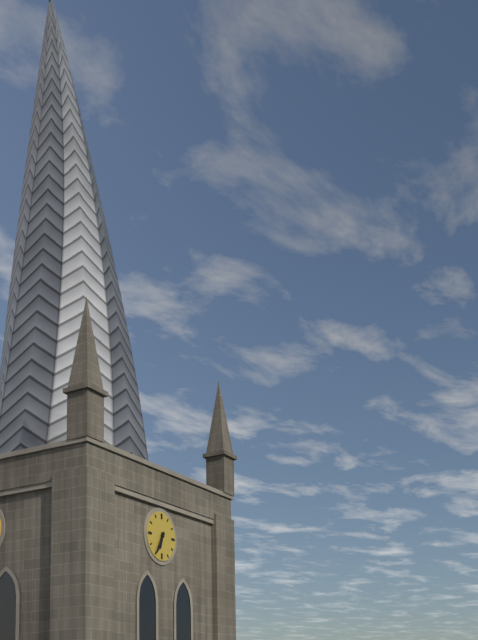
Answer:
6 h 35 min
